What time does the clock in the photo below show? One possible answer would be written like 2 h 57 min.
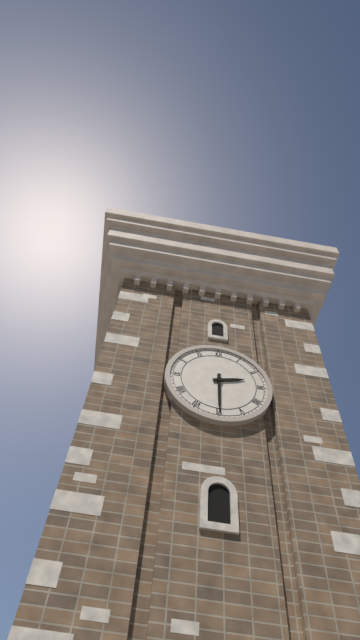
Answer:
2 h 30 min
